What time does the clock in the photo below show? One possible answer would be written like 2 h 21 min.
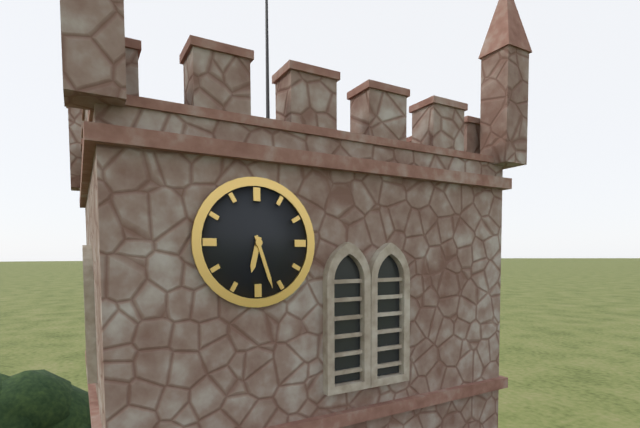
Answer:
6 h 27 min
